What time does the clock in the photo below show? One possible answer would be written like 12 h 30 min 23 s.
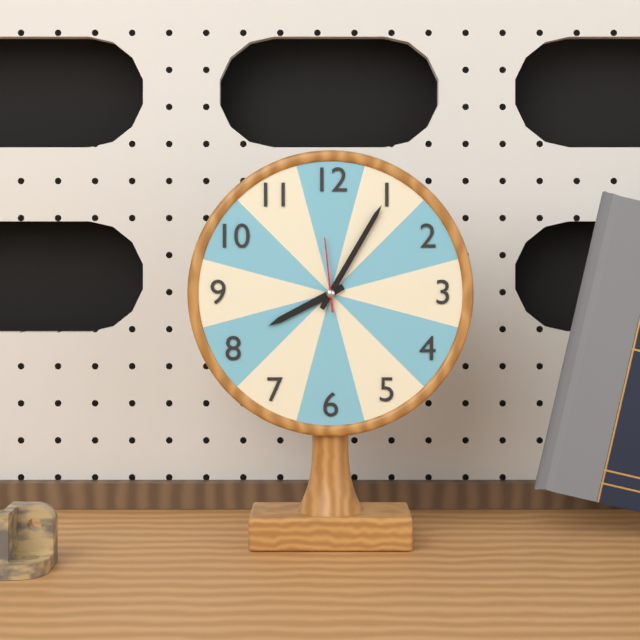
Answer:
8 h 05 min 59 s
